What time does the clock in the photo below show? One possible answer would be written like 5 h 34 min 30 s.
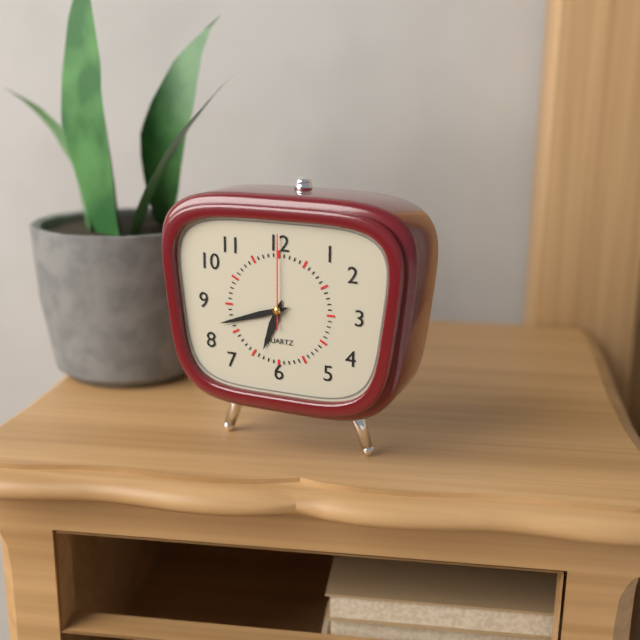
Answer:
6 h 42 min 00 s
